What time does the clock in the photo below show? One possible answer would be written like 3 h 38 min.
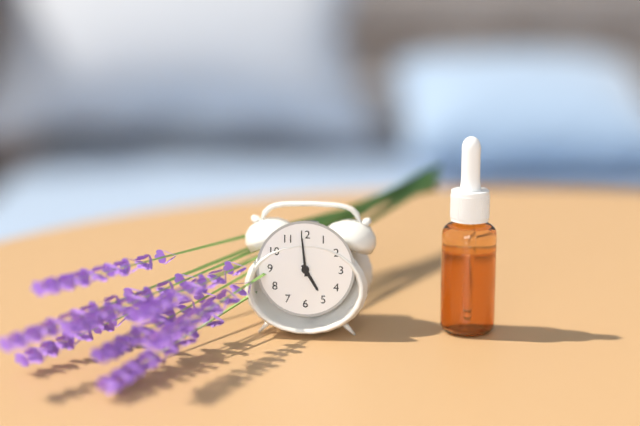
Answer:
4 h 59 min
